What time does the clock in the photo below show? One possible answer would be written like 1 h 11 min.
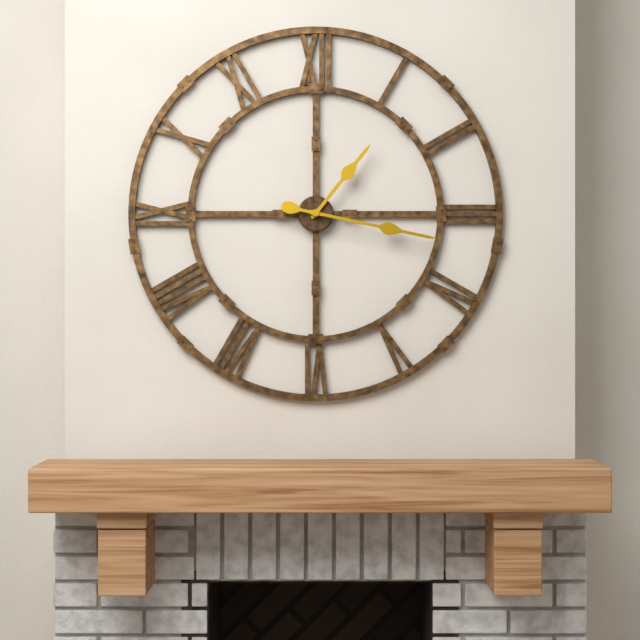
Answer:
1 h 17 min
